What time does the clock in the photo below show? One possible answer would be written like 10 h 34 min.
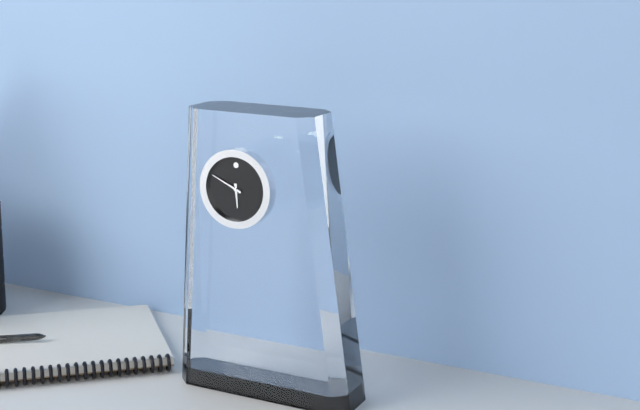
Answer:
5 h 49 min
